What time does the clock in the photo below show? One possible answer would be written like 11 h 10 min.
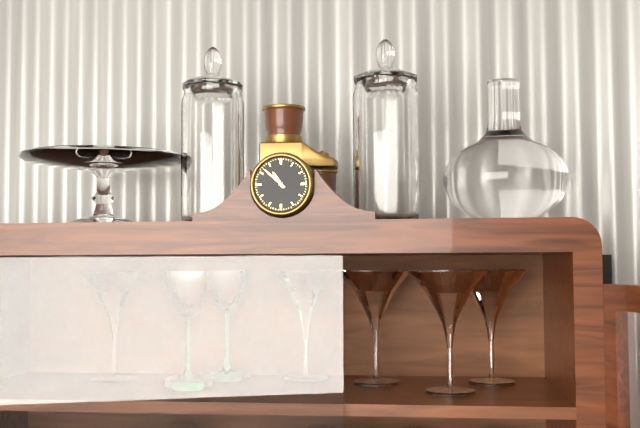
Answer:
10 h 52 min
